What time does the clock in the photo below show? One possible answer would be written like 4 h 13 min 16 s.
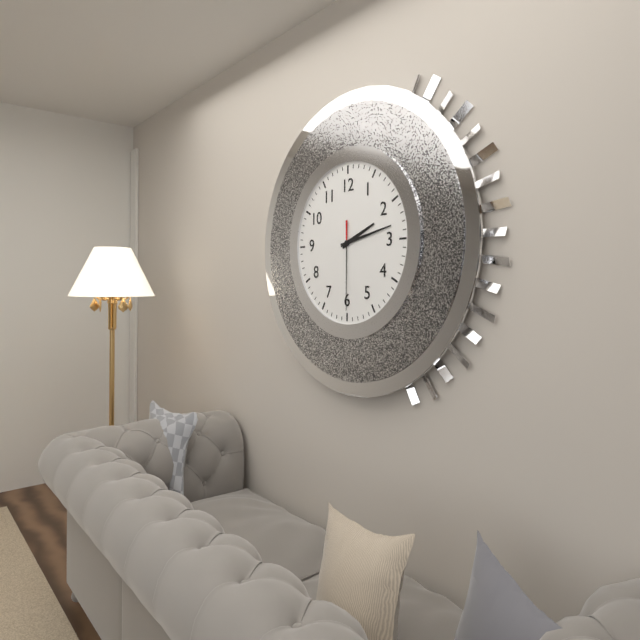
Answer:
2 h 13 min 30 s
